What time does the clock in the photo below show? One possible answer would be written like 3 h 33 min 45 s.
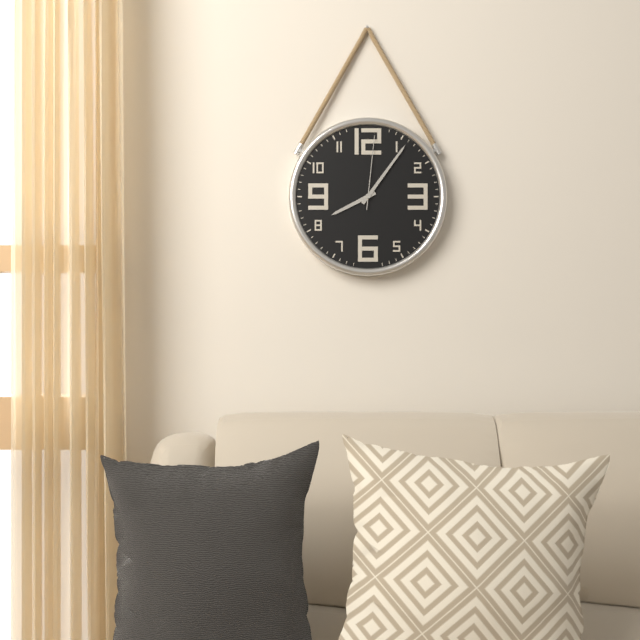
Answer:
8 h 06 min 01 s
